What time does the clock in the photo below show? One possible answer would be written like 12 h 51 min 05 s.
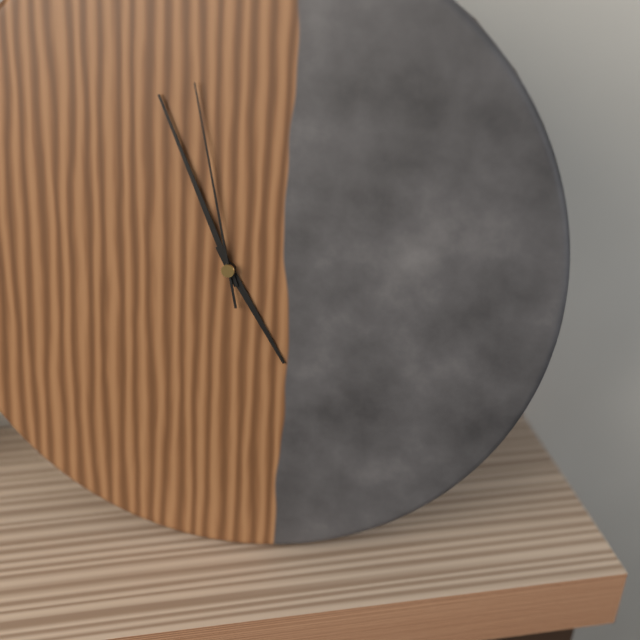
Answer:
4 h 56 min 58 s
